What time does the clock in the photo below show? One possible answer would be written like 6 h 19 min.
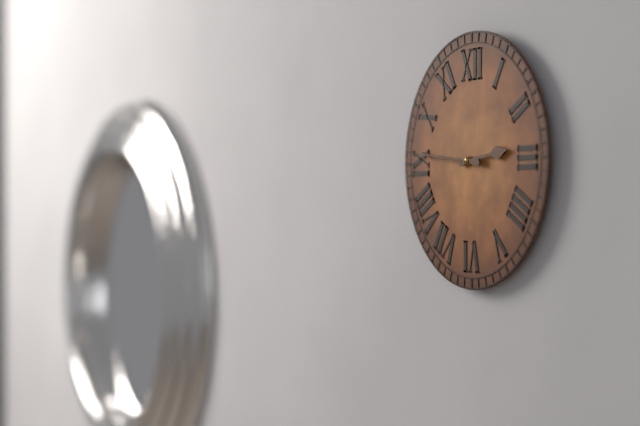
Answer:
2 h 46 min
